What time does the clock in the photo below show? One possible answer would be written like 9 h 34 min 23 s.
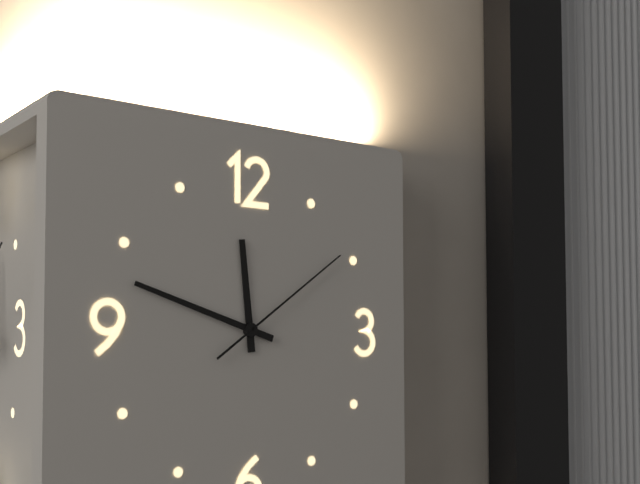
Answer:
11 h 48 min 09 s
